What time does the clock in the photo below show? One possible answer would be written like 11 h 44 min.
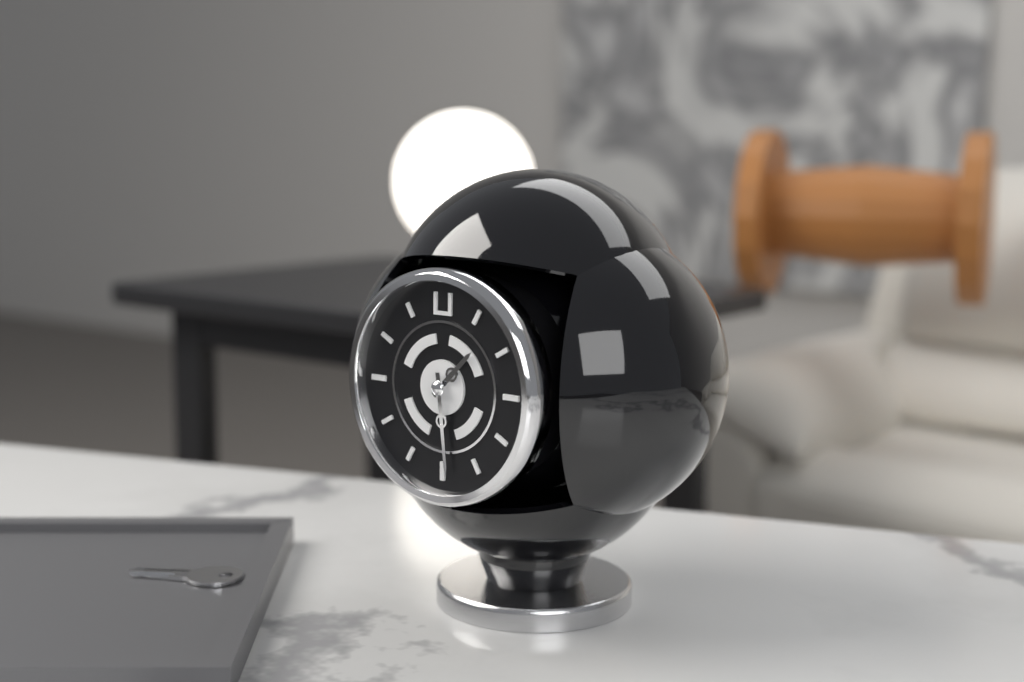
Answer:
1 h 29 min
